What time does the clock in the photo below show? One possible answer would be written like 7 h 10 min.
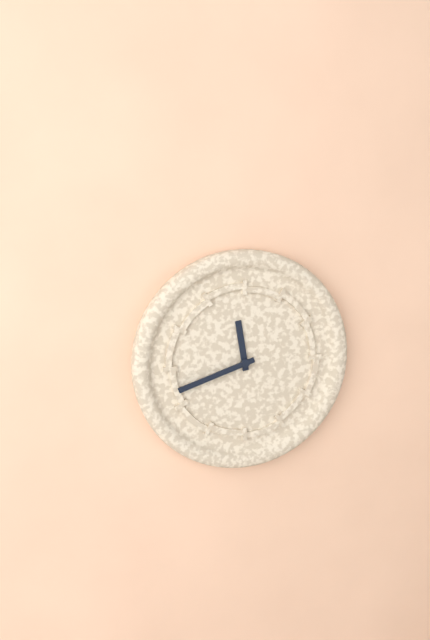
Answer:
11 h 42 min
